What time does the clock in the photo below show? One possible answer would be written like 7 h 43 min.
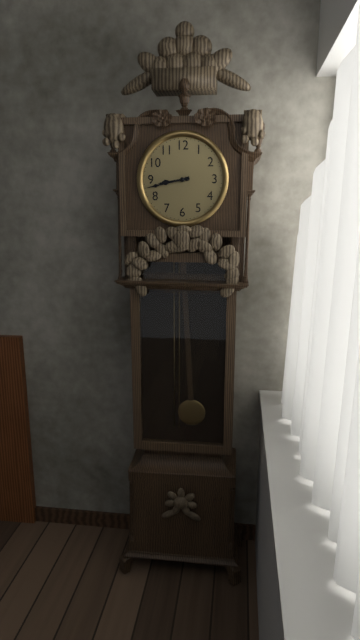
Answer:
8 h 43 min
